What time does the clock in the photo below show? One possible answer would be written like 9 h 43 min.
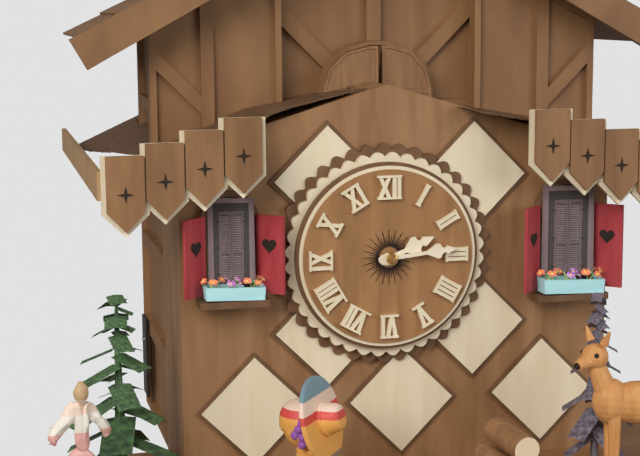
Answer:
2 h 14 min
